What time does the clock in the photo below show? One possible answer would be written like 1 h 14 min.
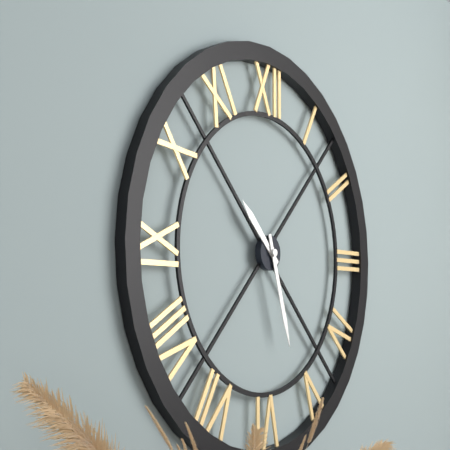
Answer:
10 h 27 min
